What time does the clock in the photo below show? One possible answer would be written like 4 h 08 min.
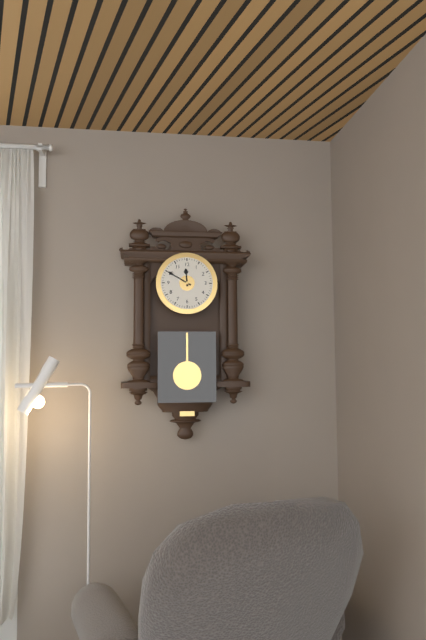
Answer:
11 h 50 min
